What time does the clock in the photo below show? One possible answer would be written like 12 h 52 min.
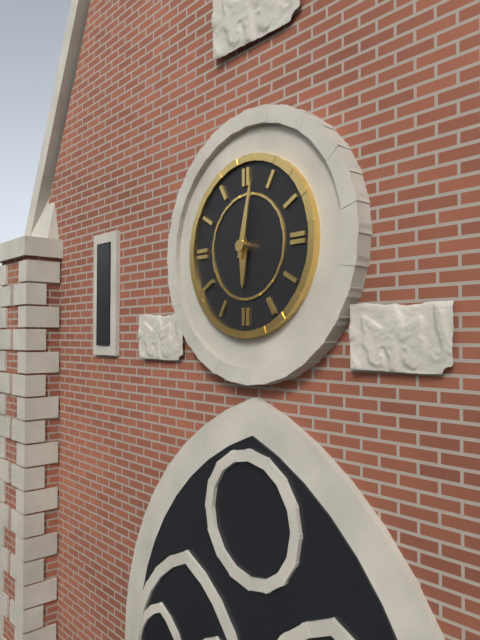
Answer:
6 h 02 min
